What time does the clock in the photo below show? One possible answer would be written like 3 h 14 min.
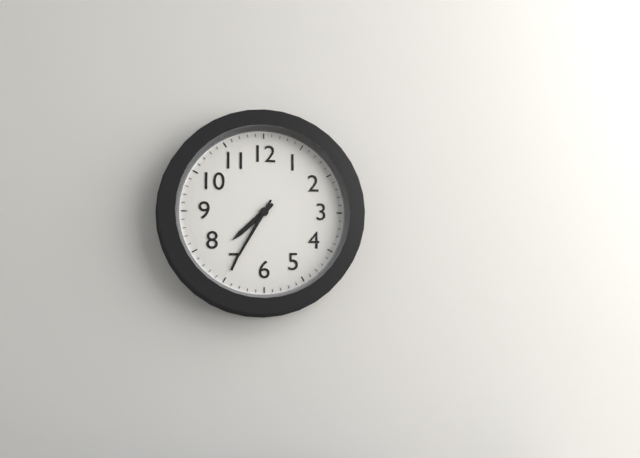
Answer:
7 h 35 min
